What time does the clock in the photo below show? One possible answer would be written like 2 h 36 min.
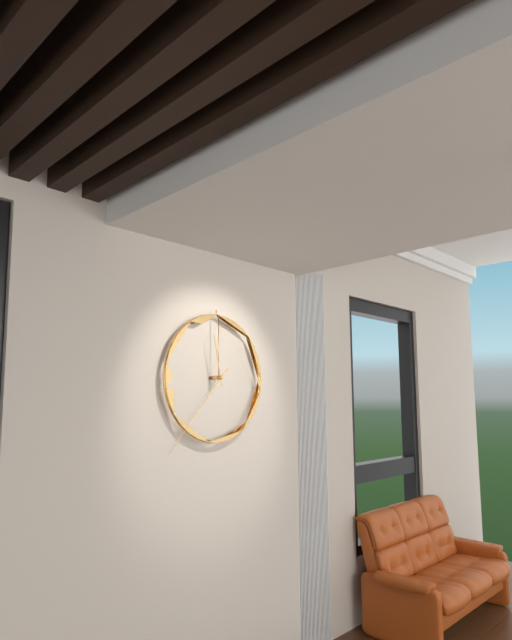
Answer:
11 h 37 min
